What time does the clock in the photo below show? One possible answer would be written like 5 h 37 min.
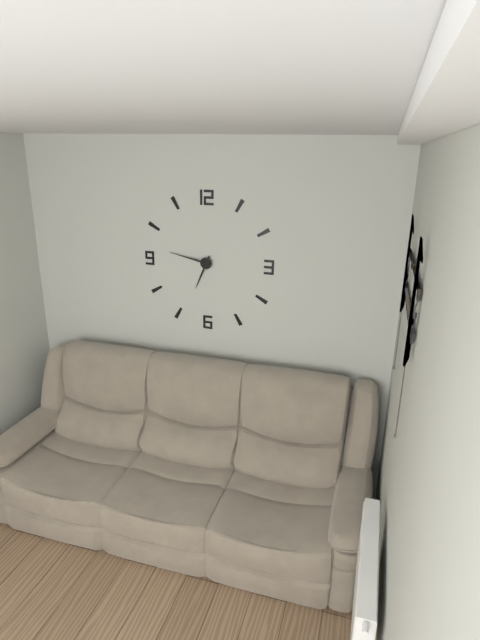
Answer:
6 h 47 min
